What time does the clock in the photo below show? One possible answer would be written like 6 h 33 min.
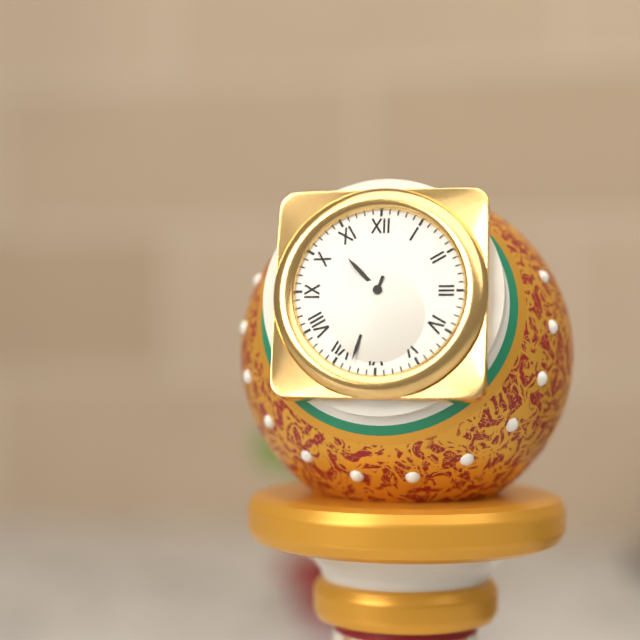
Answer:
10 h 33 min
